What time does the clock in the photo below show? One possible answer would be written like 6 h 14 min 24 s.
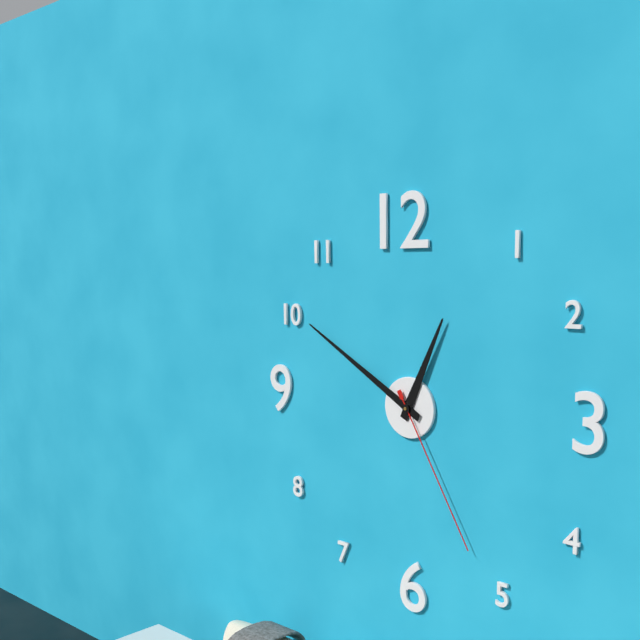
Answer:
12 h 50 min 25 s
